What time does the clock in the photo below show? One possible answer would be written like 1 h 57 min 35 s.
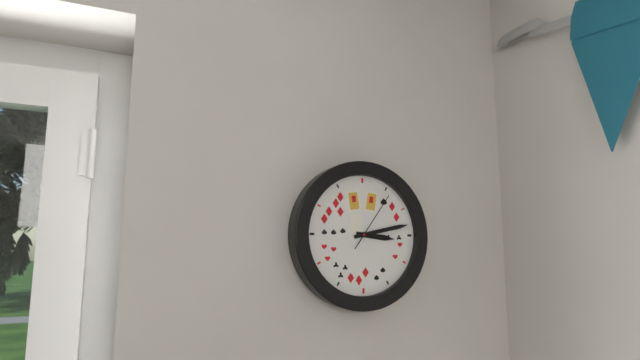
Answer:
3 h 13 min 06 s
